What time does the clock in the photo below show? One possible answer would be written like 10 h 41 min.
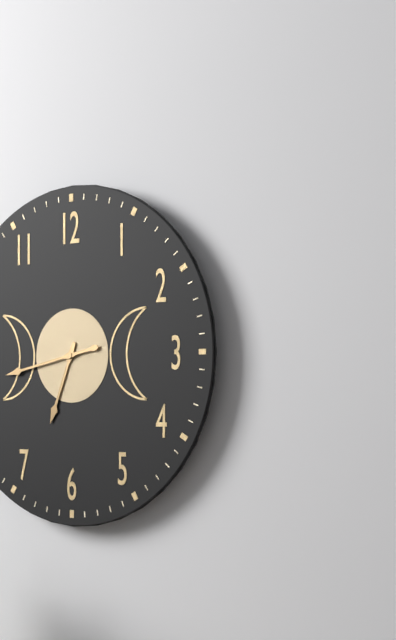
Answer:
6 h 43 min
